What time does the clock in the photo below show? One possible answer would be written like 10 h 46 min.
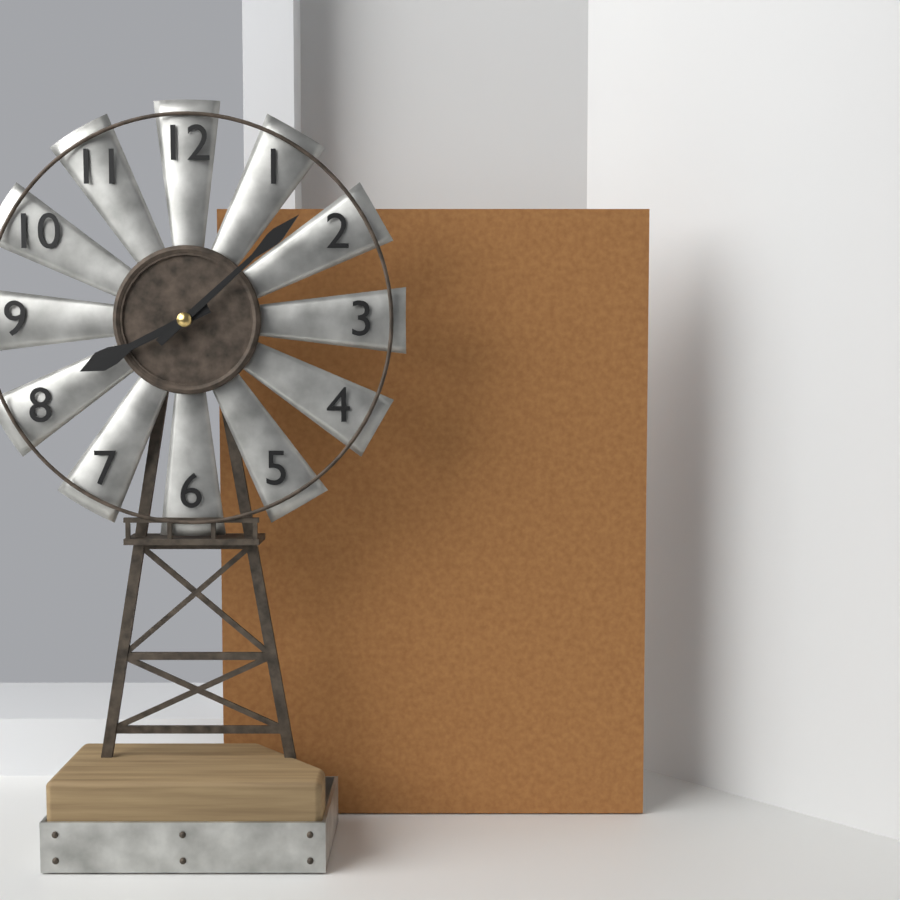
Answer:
8 h 08 min
